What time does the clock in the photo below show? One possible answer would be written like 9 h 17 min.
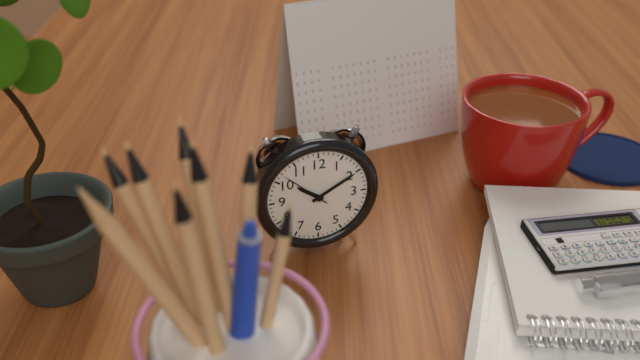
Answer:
10 h 10 min
